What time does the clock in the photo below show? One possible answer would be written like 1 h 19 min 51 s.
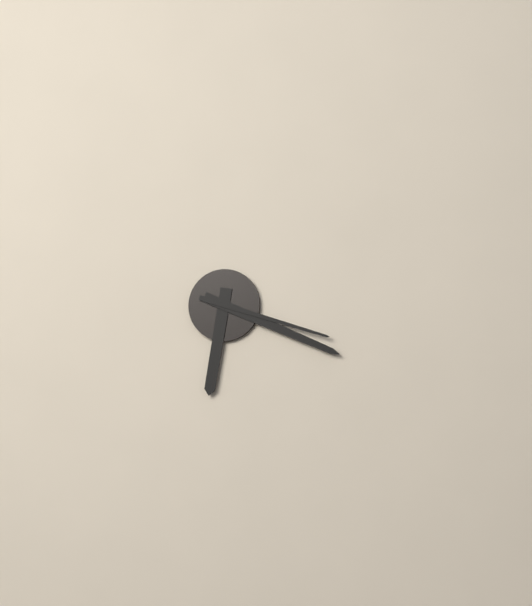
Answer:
6 h 19 min 18 s
